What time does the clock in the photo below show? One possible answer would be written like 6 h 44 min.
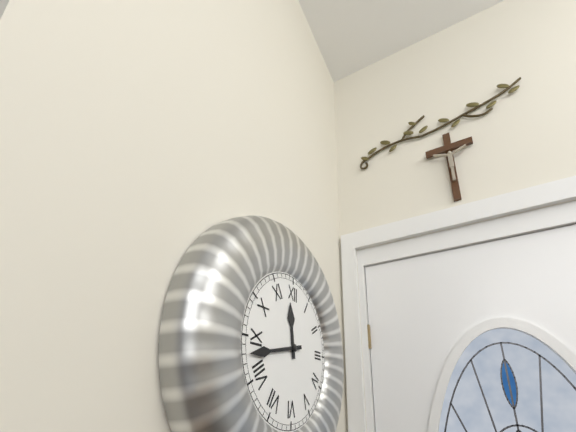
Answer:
11 h 43 min
